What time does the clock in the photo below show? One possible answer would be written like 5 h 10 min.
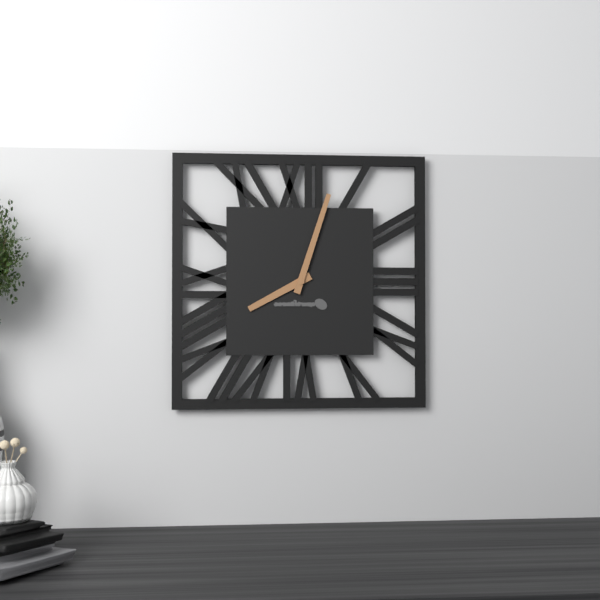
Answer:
8 h 03 min
